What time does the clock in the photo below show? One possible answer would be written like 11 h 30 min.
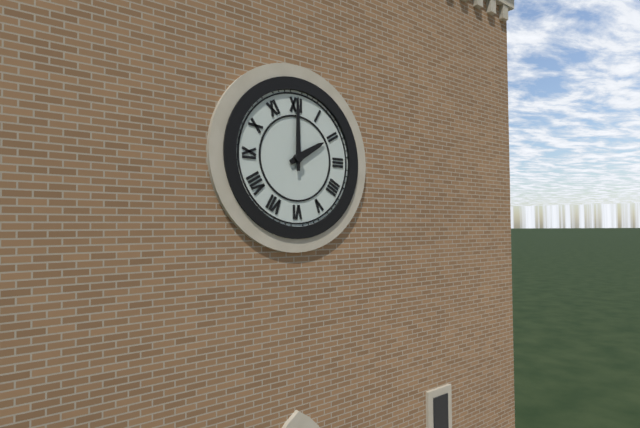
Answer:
2 h 00 min
